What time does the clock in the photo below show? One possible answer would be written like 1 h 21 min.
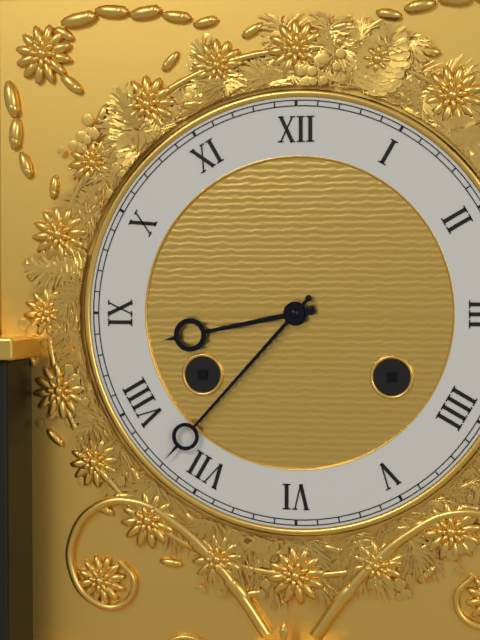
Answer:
8 h 37 min
